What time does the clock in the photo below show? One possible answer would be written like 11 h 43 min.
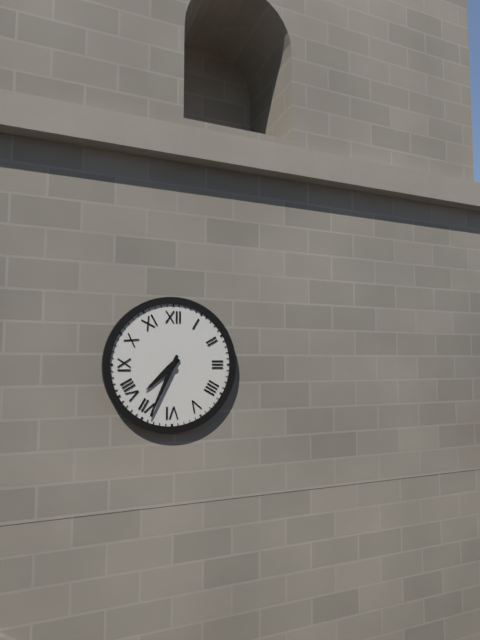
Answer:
7 h 34 min
